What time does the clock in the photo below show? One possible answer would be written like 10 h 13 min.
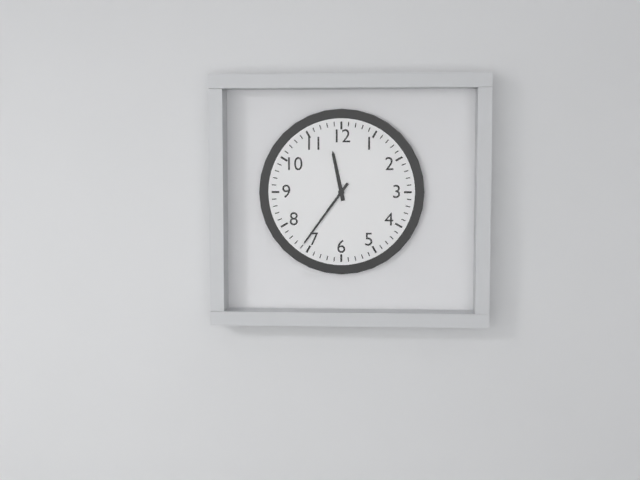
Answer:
11 h 36 min
